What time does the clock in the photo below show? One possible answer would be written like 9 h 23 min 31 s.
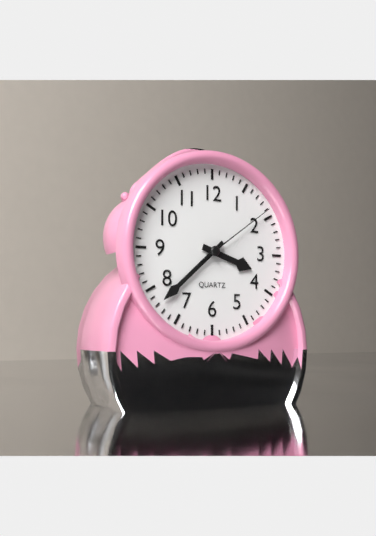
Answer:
3 h 38 min 09 s
